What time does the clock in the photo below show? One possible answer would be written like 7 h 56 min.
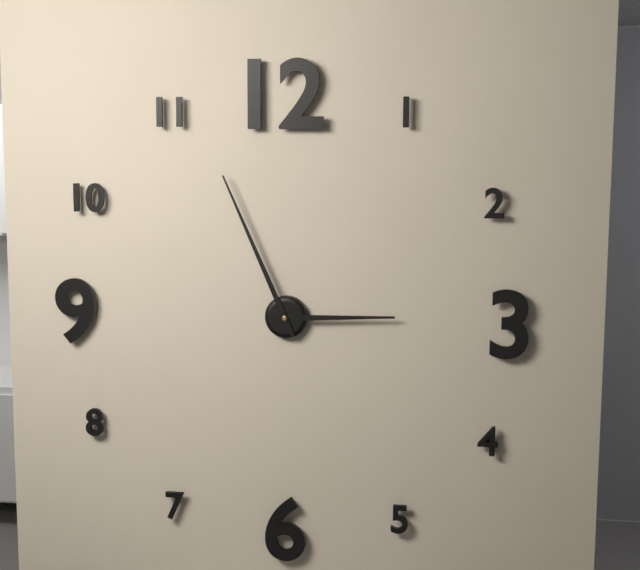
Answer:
2 h 56 min
